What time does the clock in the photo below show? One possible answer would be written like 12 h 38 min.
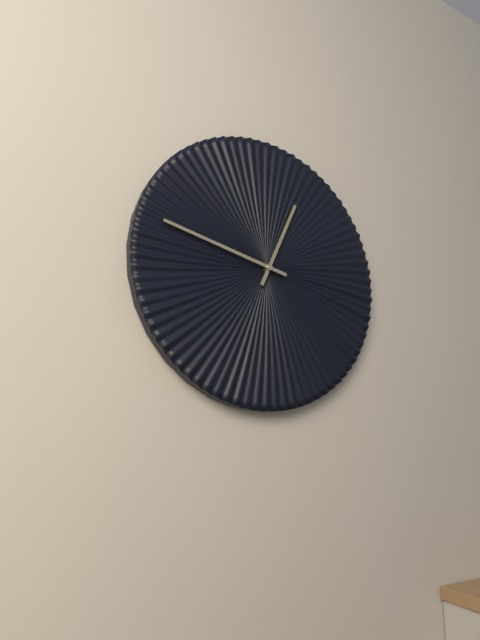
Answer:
12 h 47 min
